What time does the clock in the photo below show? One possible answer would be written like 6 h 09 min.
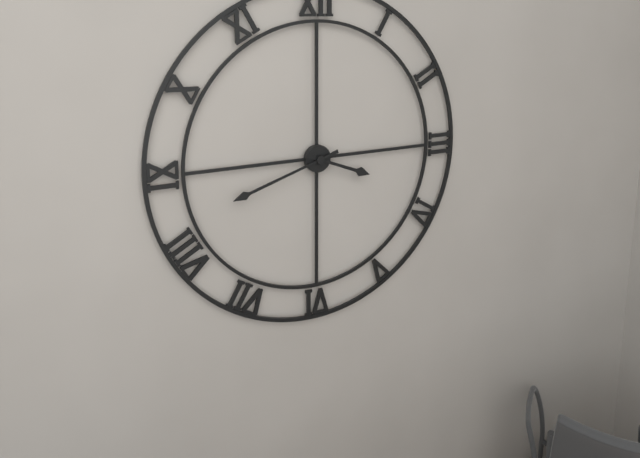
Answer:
3 h 42 min
